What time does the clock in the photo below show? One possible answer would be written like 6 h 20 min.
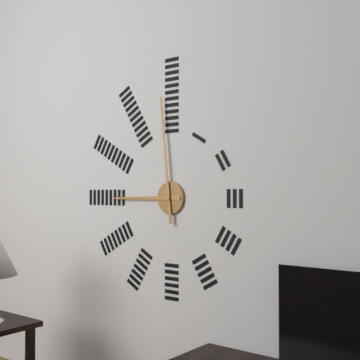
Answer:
8 h 59 min
